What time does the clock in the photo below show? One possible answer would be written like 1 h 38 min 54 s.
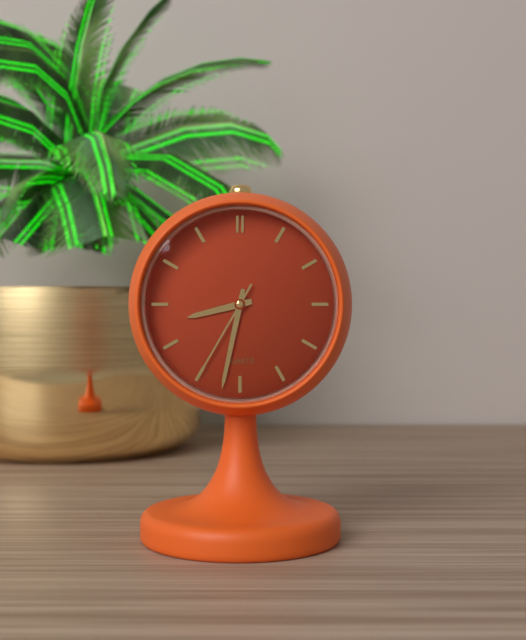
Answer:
8 h 32 min 35 s
